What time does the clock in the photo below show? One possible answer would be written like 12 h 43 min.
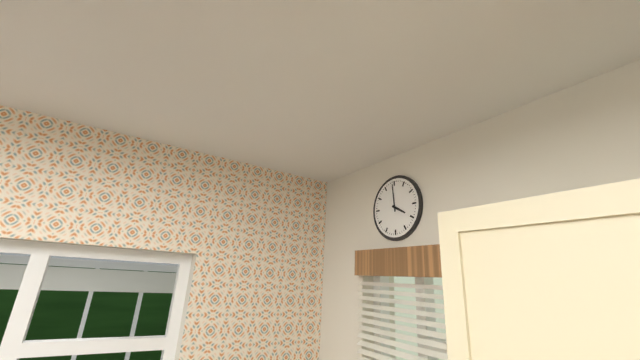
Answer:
3 h 59 min
